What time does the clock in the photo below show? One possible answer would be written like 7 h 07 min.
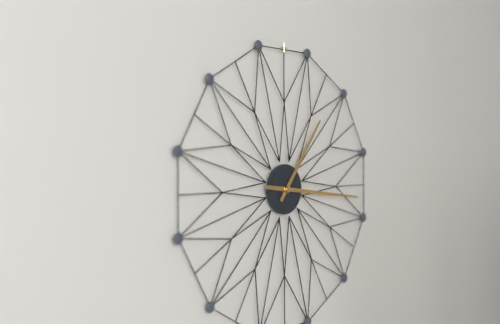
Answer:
1 h 16 min
